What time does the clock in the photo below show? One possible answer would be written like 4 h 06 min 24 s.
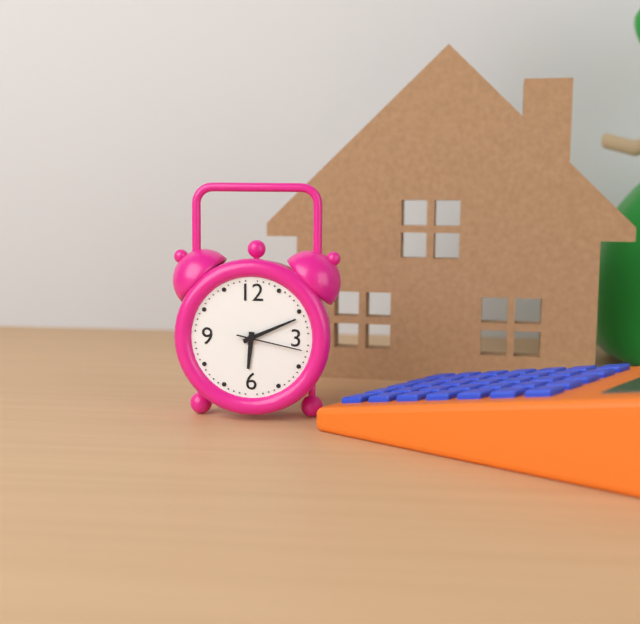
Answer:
6 h 11 min 17 s
